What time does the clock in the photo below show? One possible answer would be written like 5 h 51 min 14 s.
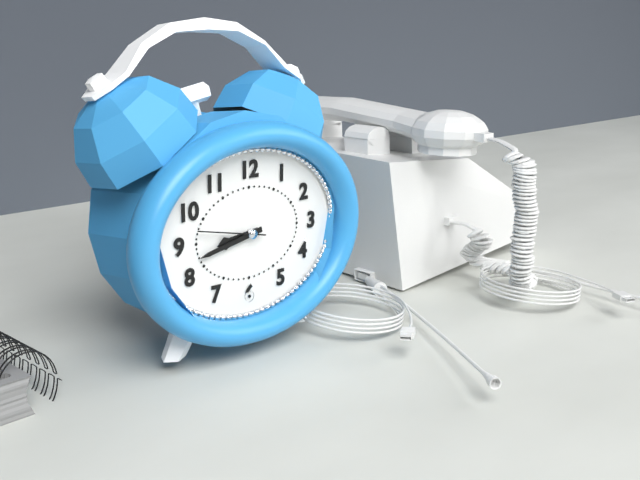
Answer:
8 h 43 min 47 s
